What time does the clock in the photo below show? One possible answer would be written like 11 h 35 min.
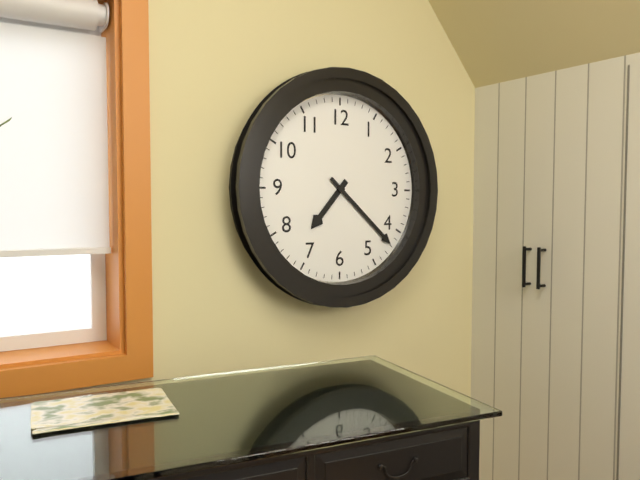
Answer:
7 h 22 min
